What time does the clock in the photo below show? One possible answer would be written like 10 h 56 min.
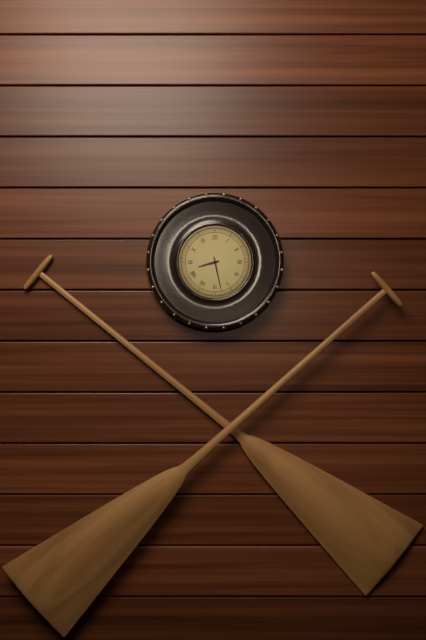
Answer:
8 h 28 min
